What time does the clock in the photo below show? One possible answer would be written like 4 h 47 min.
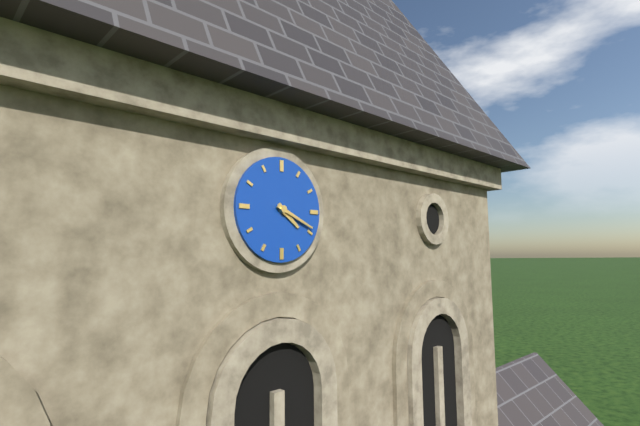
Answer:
4 h 19 min
